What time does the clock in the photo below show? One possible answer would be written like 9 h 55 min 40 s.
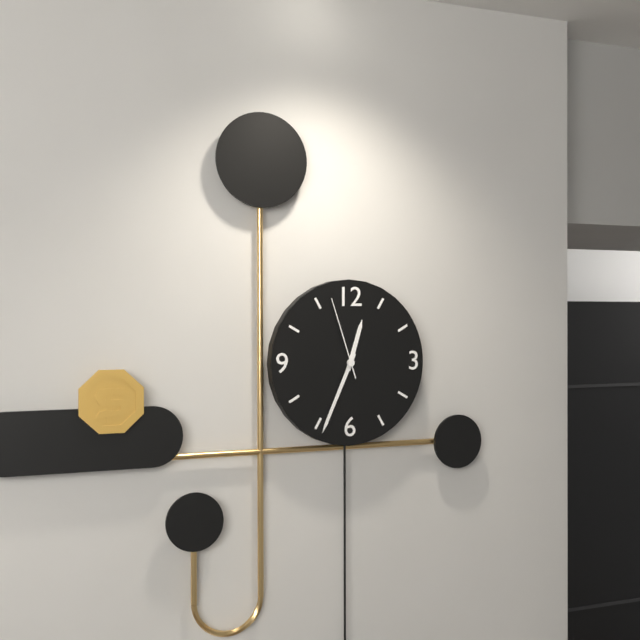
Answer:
12 h 34 min 57 s
